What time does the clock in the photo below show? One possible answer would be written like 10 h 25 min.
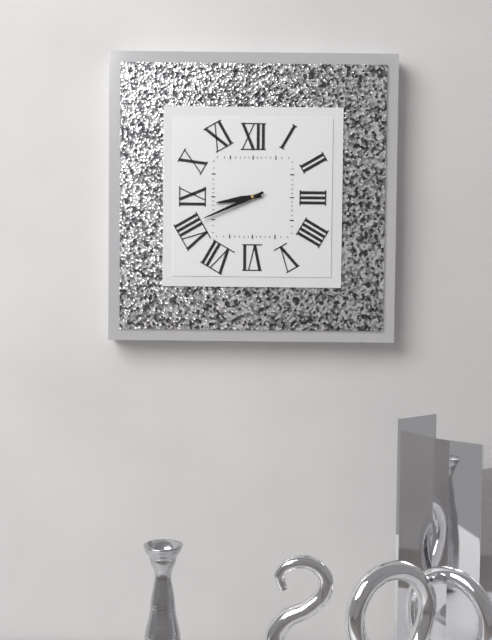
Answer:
8 h 41 min
